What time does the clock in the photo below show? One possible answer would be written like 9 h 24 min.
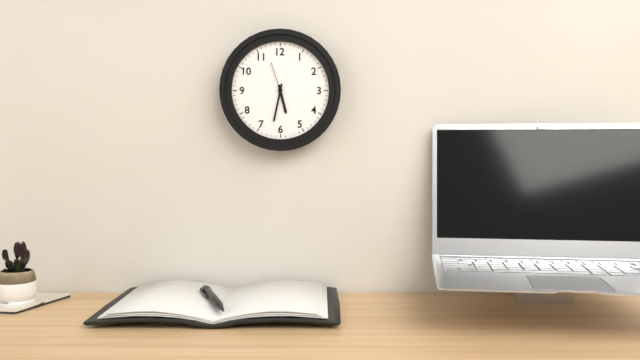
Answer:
5 h 32 min
